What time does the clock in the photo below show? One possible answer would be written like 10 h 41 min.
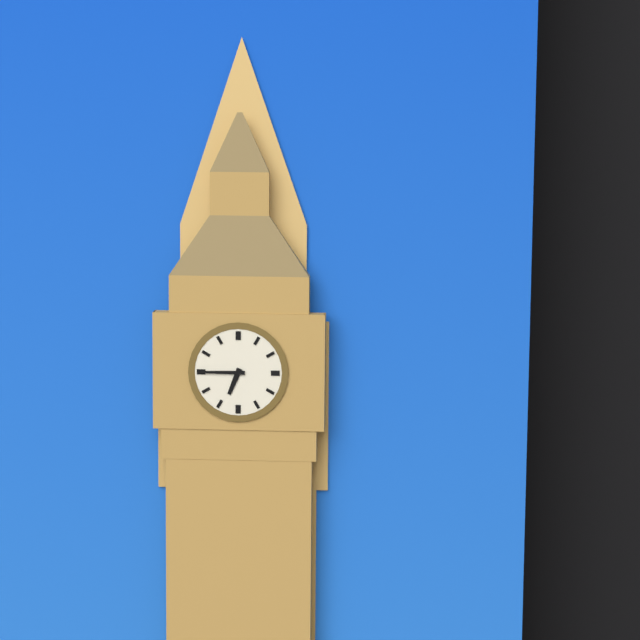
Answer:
6 h 45 min
